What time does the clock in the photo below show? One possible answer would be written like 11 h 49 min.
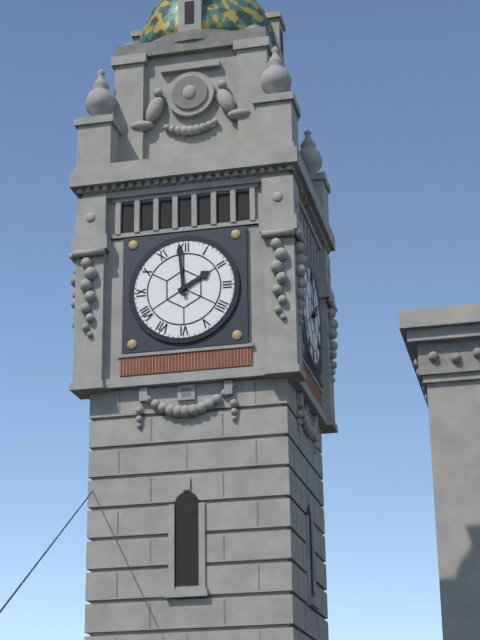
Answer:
1 h 59 min
